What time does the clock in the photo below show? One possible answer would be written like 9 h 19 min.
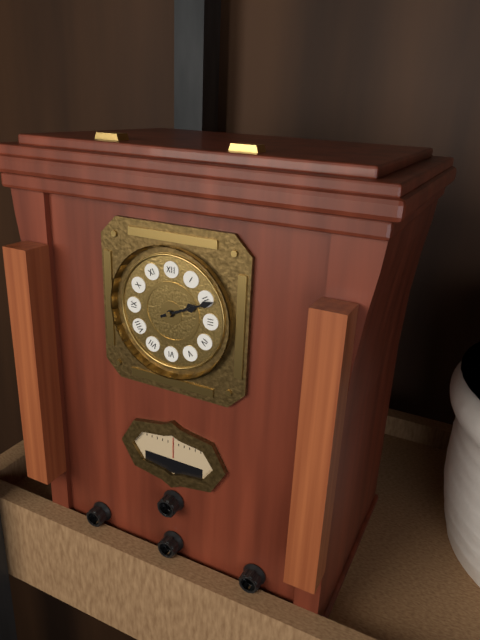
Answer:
2 h 11 min
